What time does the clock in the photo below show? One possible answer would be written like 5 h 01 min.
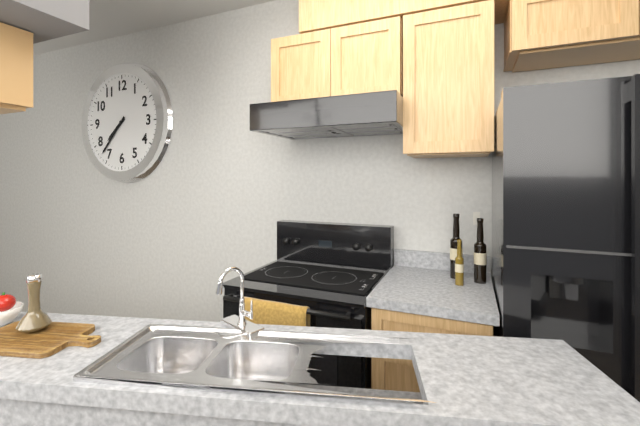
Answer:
7 h 37 min
